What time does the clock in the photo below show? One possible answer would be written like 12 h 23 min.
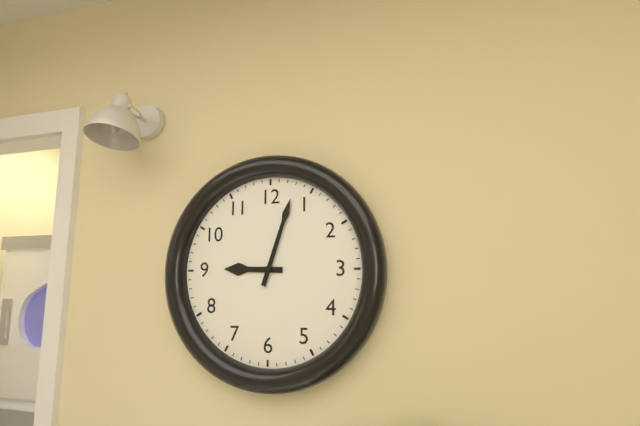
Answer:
9 h 03 min
